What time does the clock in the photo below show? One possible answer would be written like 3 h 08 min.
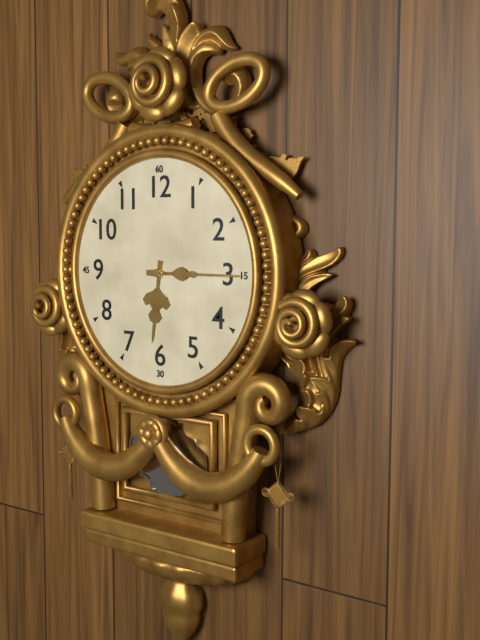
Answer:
6 h 15 min
